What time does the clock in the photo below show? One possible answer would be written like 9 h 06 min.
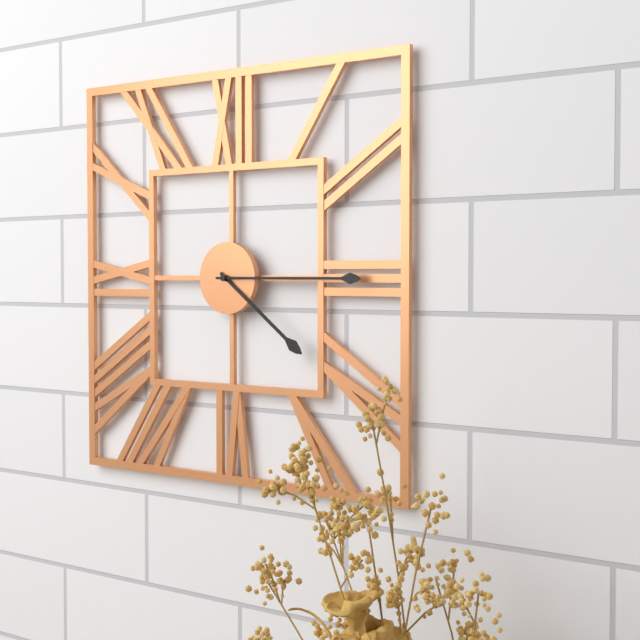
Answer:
4 h 15 min
